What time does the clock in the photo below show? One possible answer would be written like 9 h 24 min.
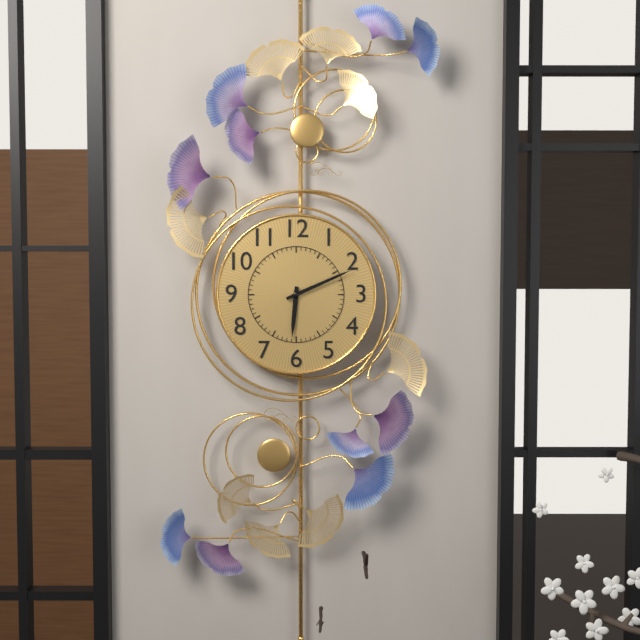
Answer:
6 h 11 min
